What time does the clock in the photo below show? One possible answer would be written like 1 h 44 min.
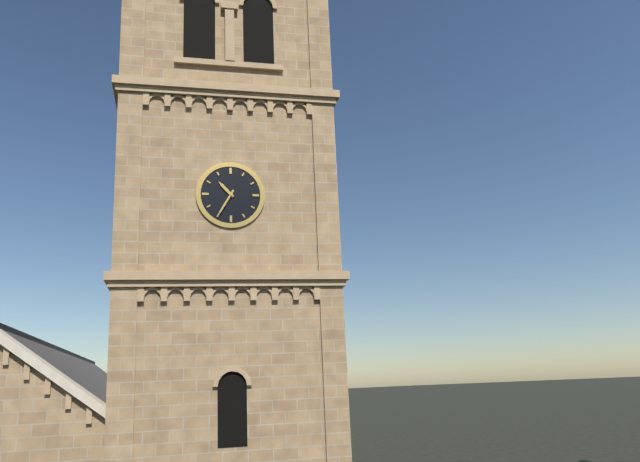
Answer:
10 h 35 min
